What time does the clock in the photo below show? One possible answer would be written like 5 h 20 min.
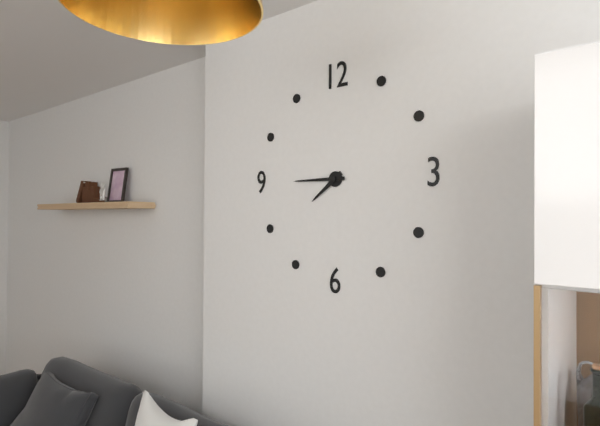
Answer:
7 h 45 min
